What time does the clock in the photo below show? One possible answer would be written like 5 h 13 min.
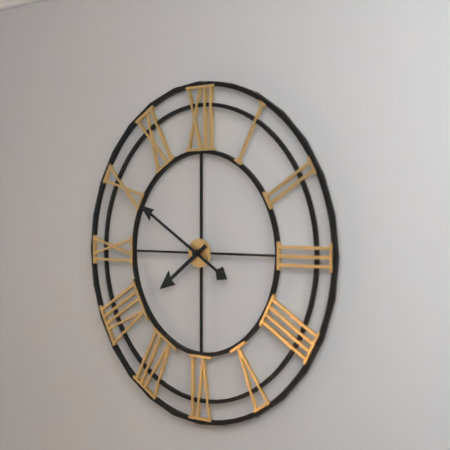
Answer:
7 h 50 min
